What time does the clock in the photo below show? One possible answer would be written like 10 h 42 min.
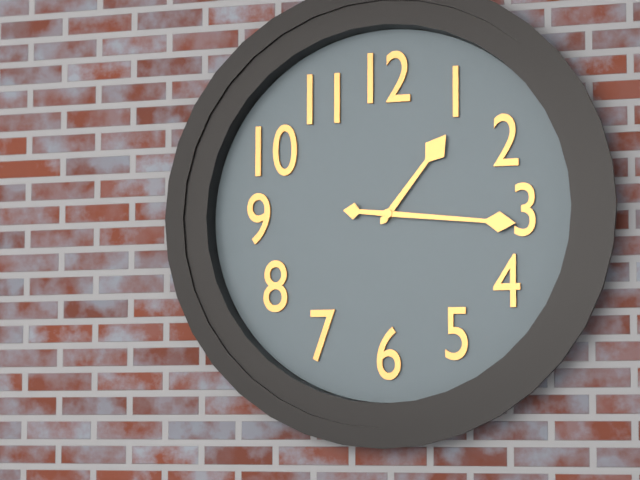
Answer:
1 h 16 min
